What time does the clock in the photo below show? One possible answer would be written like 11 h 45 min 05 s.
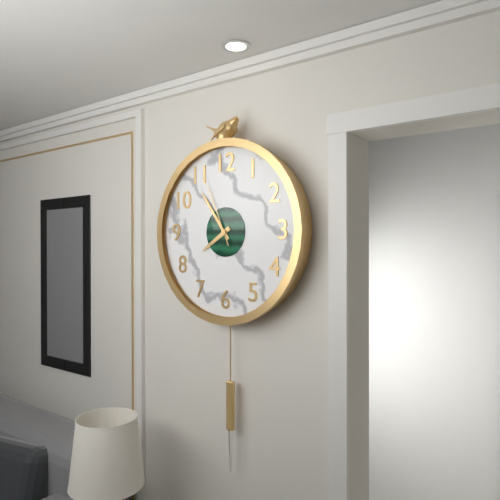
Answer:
7 h 54 min 56 s
